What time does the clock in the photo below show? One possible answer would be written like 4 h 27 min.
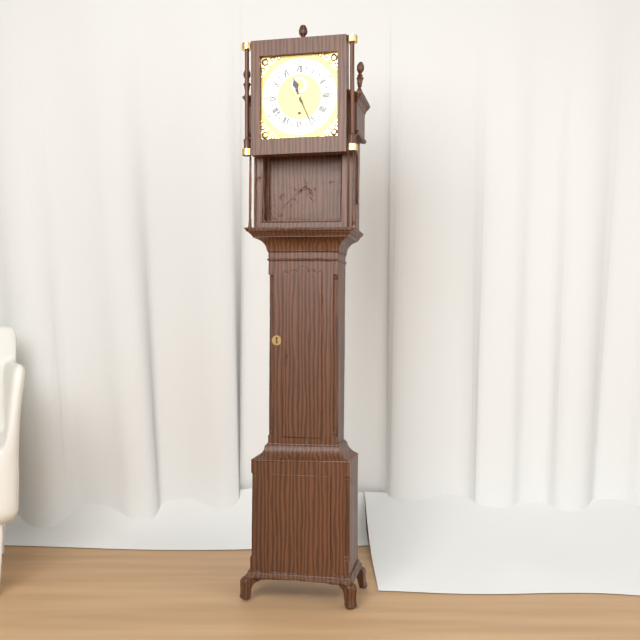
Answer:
11 h 26 min
